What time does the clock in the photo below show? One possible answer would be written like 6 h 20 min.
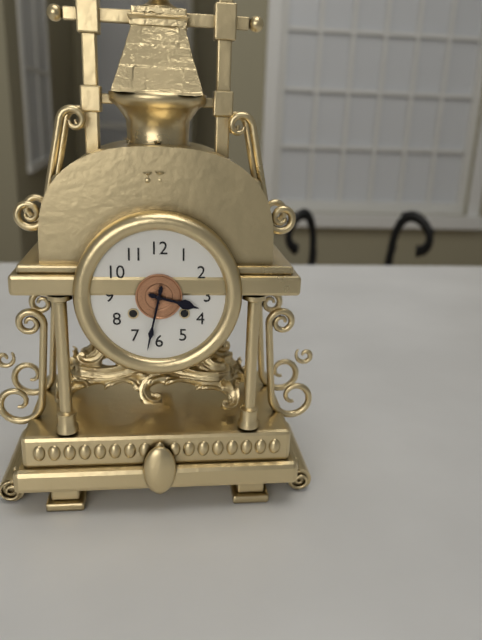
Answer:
3 h 32 min
